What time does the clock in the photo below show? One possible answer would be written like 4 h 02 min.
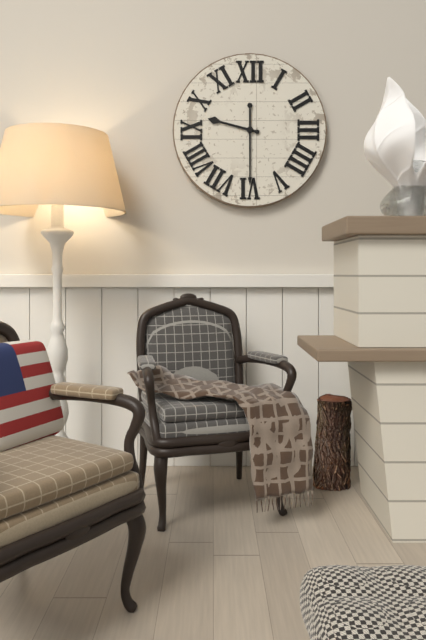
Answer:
9 h 30 min
